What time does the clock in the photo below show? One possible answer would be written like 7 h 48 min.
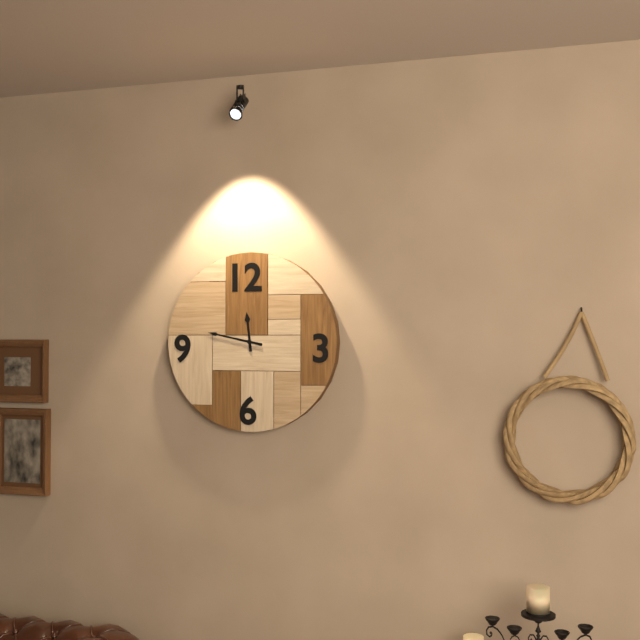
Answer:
11 h 47 min
